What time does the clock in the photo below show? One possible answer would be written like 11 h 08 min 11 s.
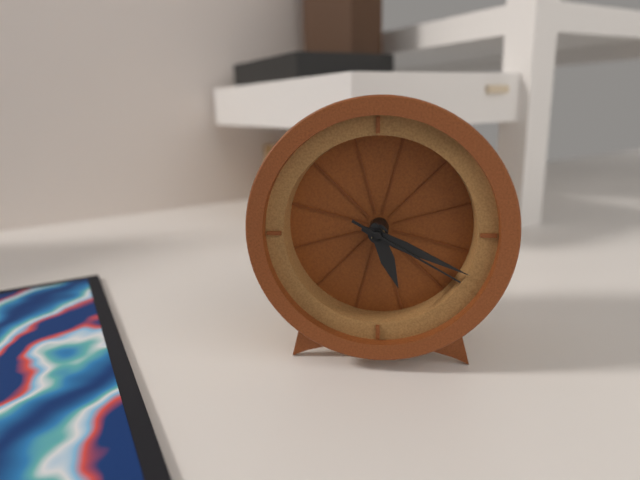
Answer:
5 h 19 min 20 s
